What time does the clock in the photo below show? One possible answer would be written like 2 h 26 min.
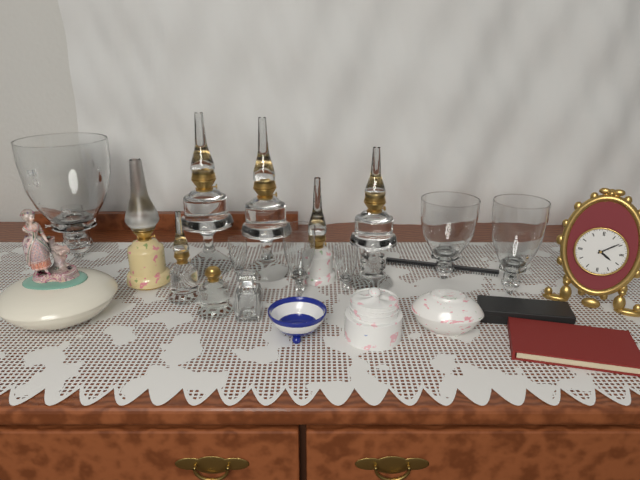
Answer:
4 h 09 min
